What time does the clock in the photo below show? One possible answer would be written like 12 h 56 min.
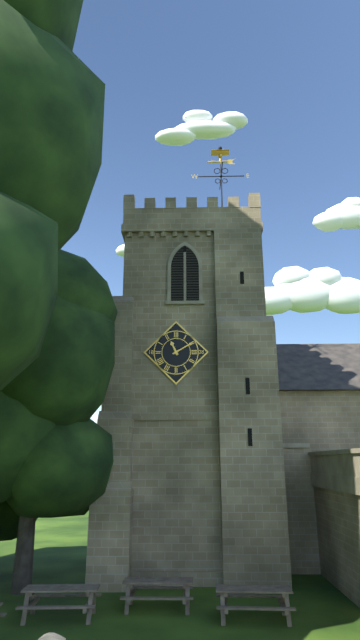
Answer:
11 h 10 min
